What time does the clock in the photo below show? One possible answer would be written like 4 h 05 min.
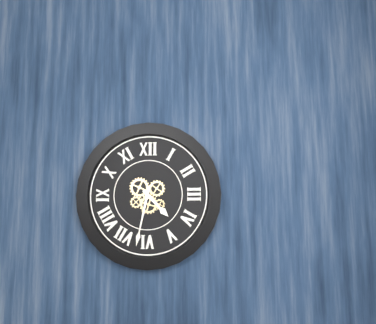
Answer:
4 h 32 min
